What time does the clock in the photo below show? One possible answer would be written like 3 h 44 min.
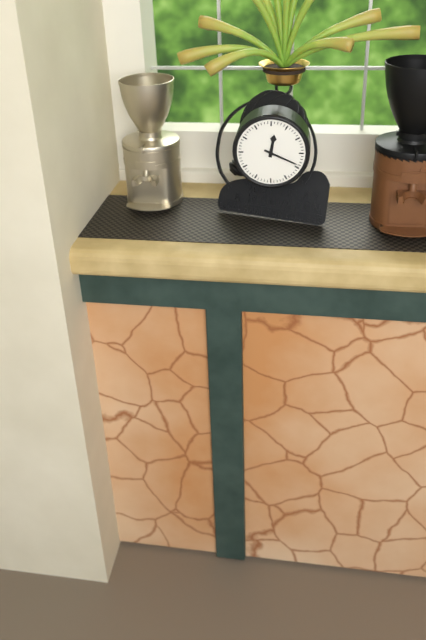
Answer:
12 h 19 min
